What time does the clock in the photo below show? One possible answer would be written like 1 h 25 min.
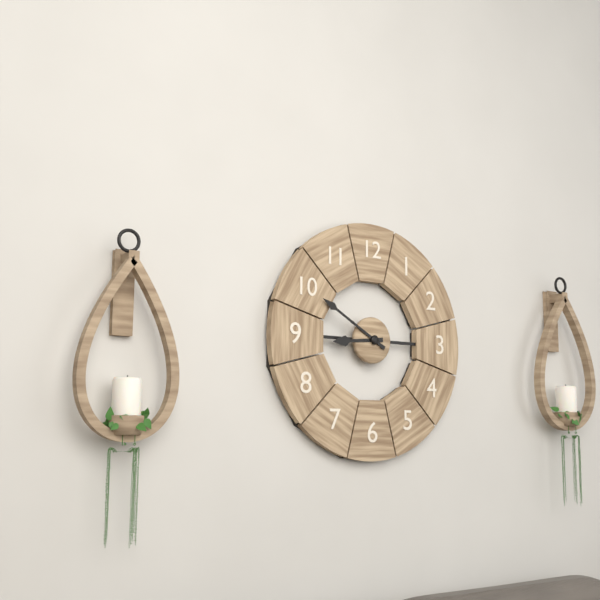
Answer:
8 h 50 min
